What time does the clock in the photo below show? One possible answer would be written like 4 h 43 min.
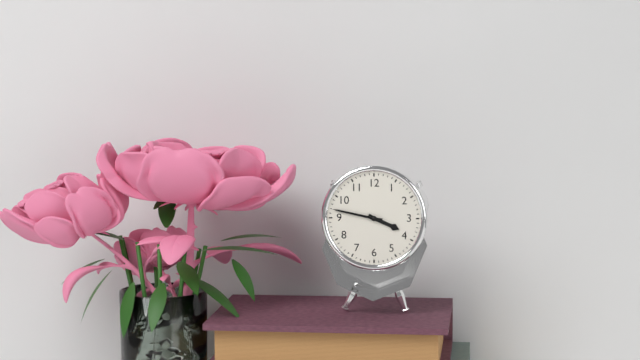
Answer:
3 h 47 min
